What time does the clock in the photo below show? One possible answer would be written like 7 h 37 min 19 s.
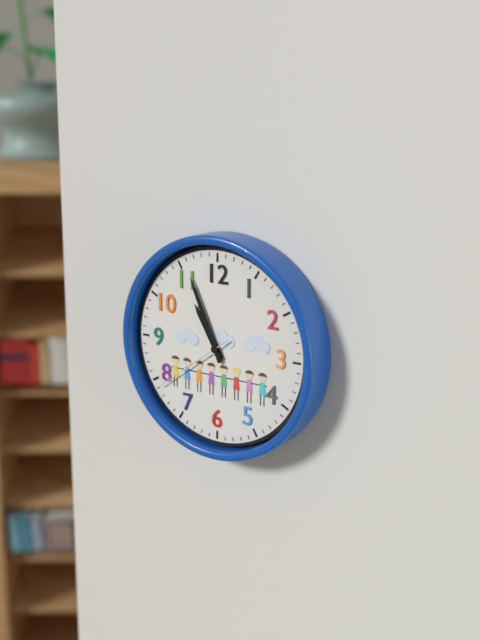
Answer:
10 h 56 min 39 s
